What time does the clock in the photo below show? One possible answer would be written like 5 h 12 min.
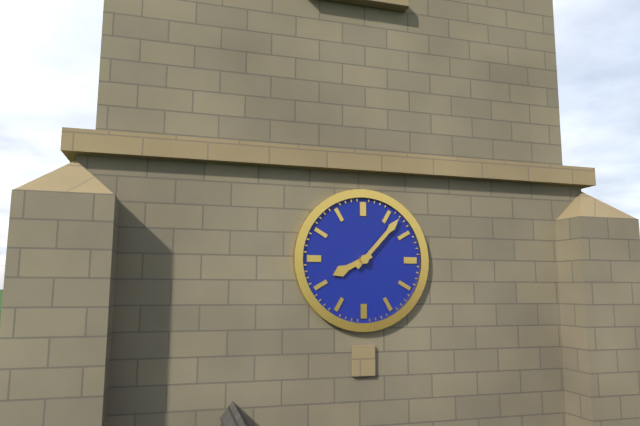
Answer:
8 h 07 min
